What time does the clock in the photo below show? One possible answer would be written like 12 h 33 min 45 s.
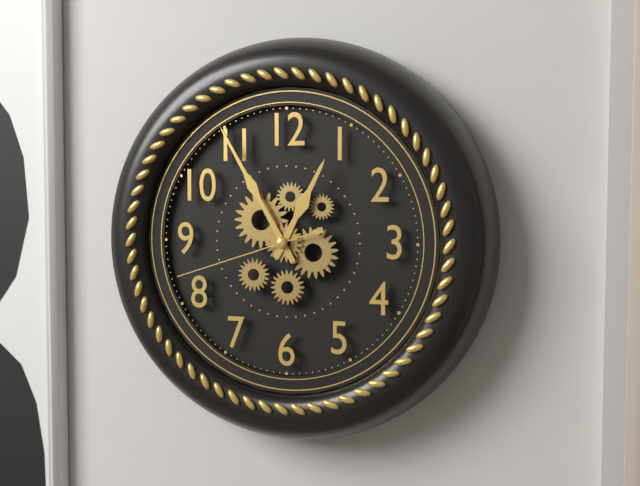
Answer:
12 h 55 min 42 s
